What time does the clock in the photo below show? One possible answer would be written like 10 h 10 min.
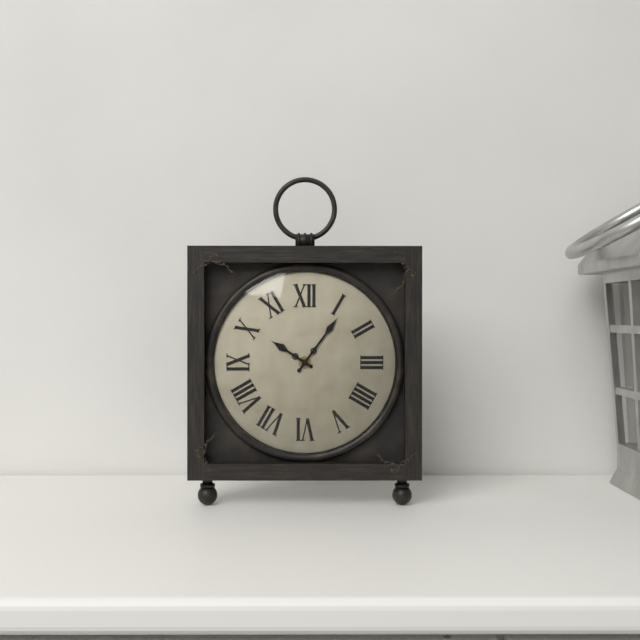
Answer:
10 h 06 min
